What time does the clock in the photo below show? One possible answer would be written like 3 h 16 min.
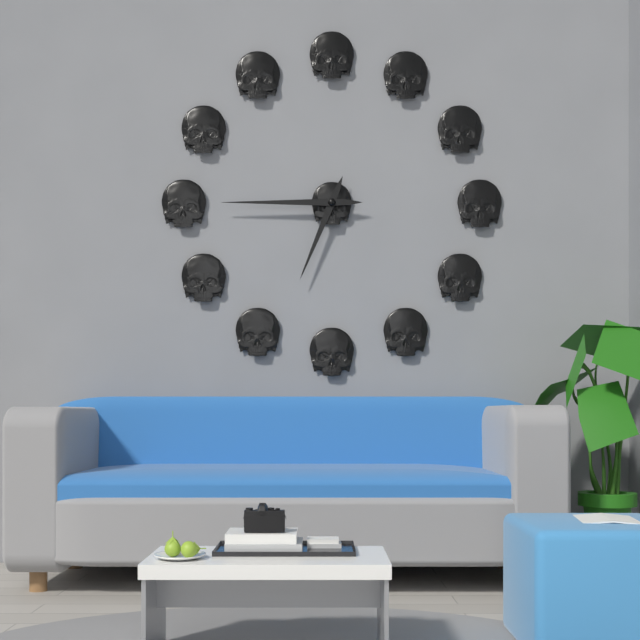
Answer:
6 h 45 min
